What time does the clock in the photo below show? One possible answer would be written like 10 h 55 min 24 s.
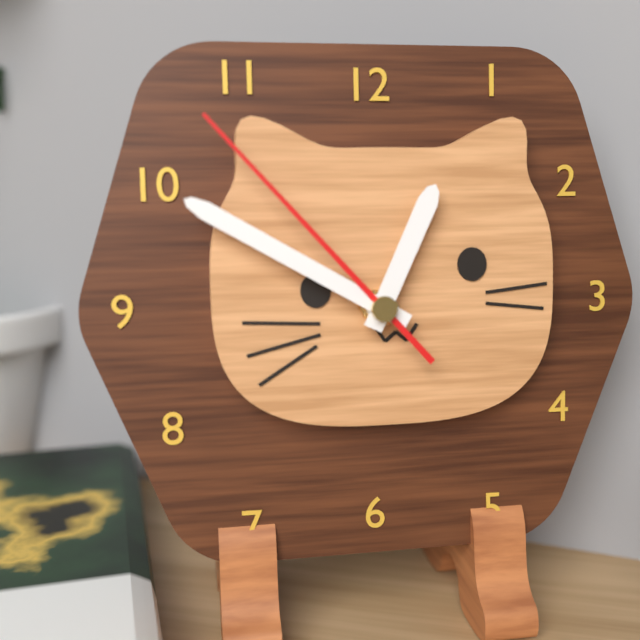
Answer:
12 h 50 min 53 s
